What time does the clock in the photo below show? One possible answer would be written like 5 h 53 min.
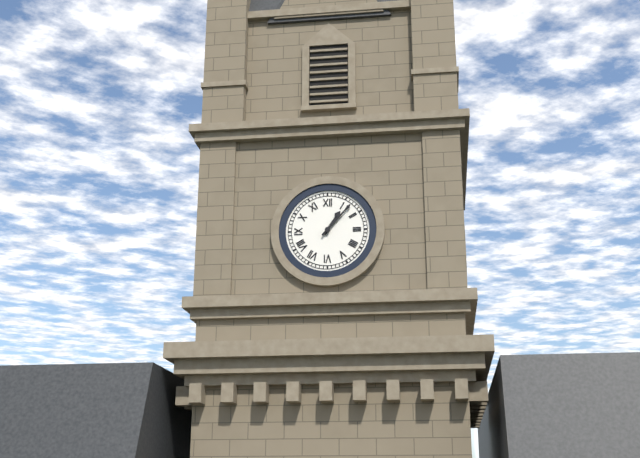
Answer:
1 h 07 min
